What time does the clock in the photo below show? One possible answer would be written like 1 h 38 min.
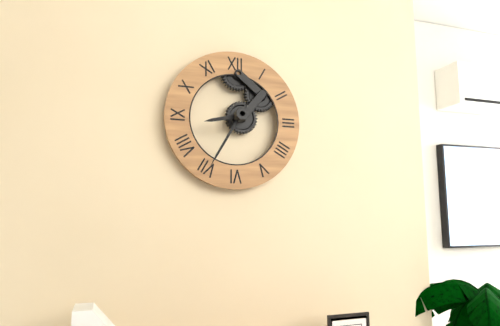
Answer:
8 h 35 min
